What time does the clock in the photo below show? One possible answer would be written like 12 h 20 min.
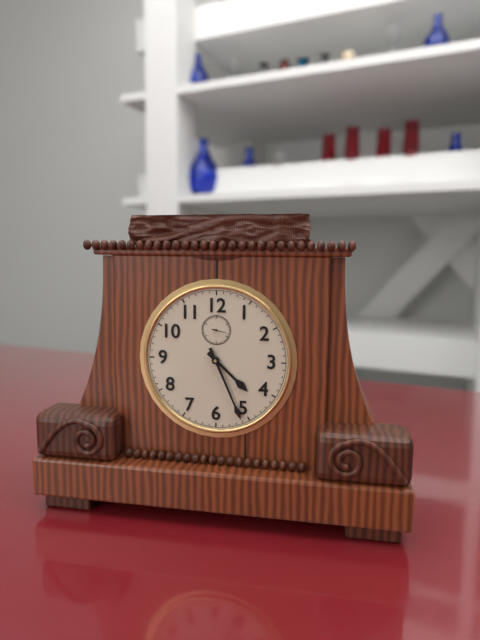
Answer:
4 h 26 min
